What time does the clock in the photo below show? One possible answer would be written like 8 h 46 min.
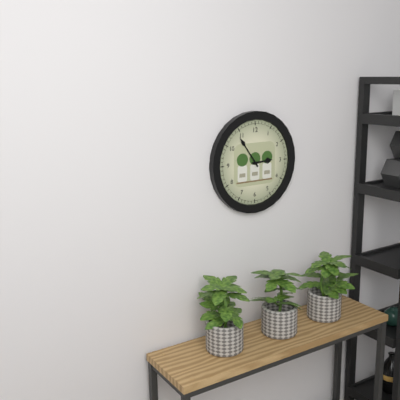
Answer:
2 h 54 min
